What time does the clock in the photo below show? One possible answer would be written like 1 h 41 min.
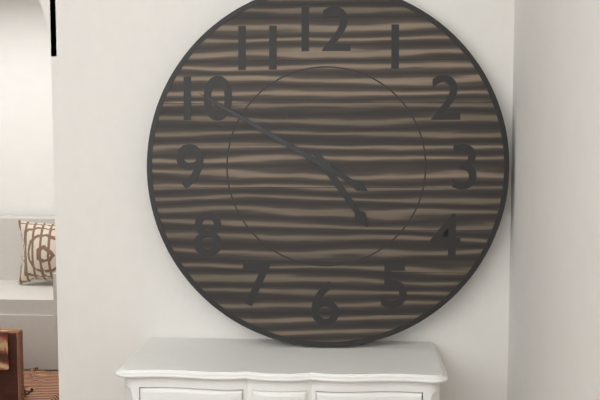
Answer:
4 h 50 min
